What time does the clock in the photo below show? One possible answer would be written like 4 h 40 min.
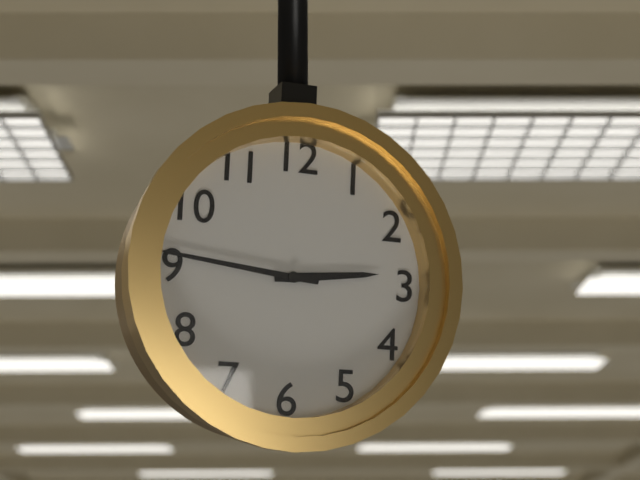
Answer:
2 h 46 min
